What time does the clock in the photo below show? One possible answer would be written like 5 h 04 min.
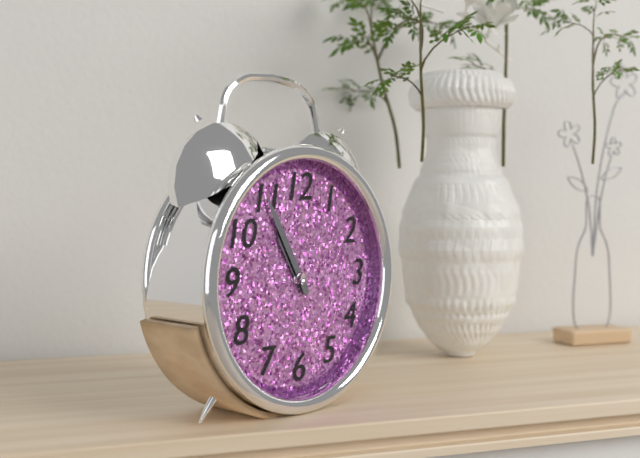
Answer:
10 h 55 min
